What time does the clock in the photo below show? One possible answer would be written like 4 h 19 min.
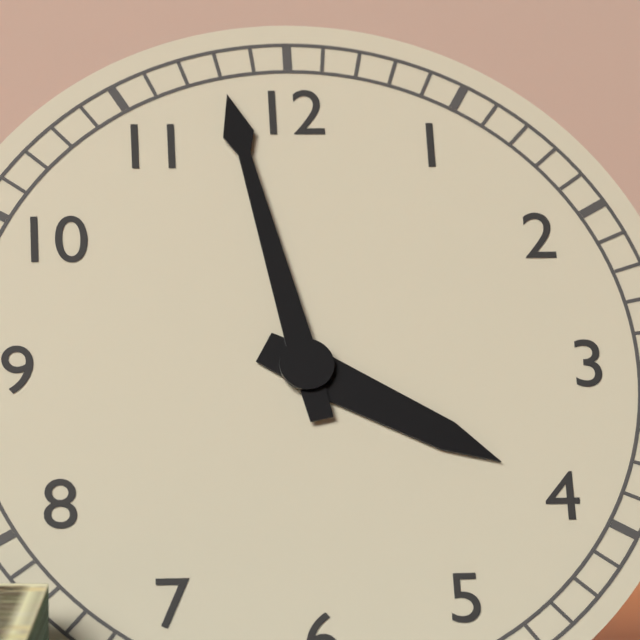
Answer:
3 h 58 min
